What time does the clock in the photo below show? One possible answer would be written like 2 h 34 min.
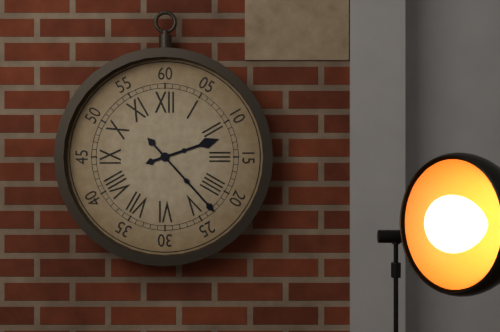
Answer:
2 h 23 min
